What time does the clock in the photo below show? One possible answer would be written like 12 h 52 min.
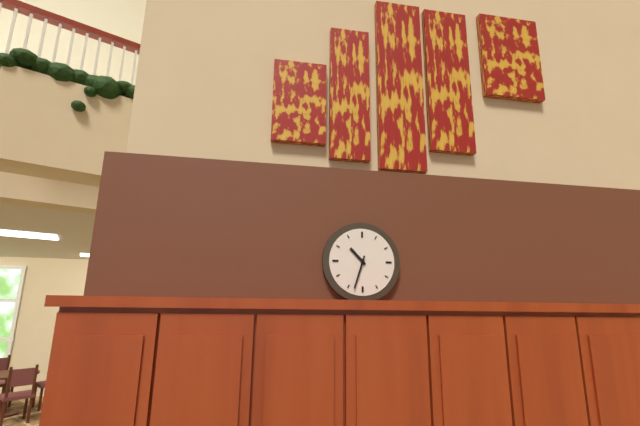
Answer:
10 h 33 min
